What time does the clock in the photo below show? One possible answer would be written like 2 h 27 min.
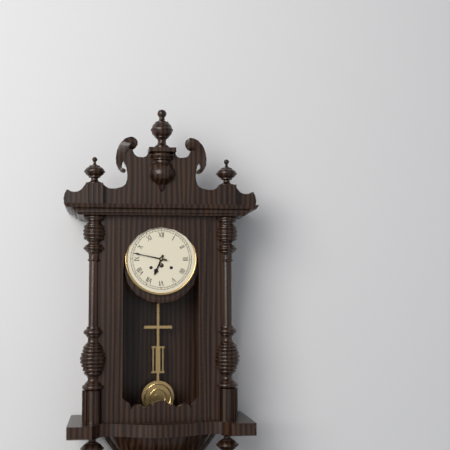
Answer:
6 h 47 min
